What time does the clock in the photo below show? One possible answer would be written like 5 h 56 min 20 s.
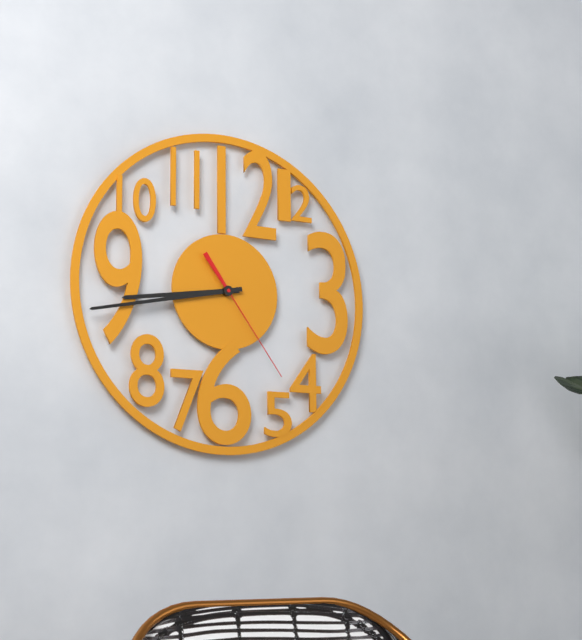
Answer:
8 h 43 min 24 s
